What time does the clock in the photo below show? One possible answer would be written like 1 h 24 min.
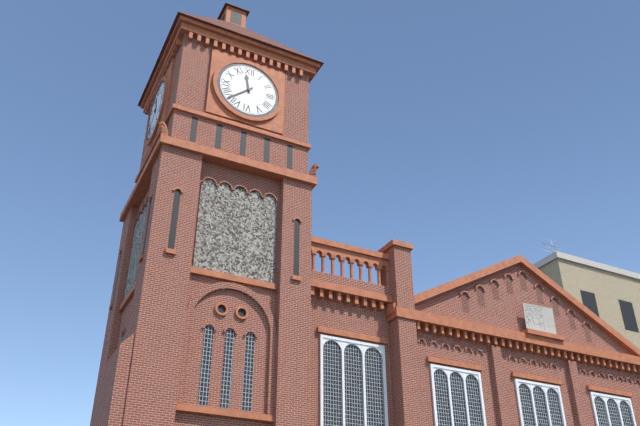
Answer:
11 h 38 min
